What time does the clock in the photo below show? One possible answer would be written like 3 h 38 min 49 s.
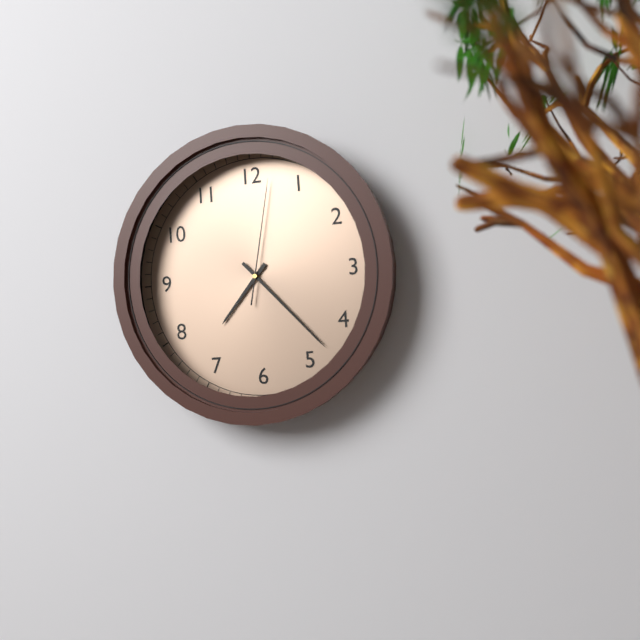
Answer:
7 h 23 min 02 s
